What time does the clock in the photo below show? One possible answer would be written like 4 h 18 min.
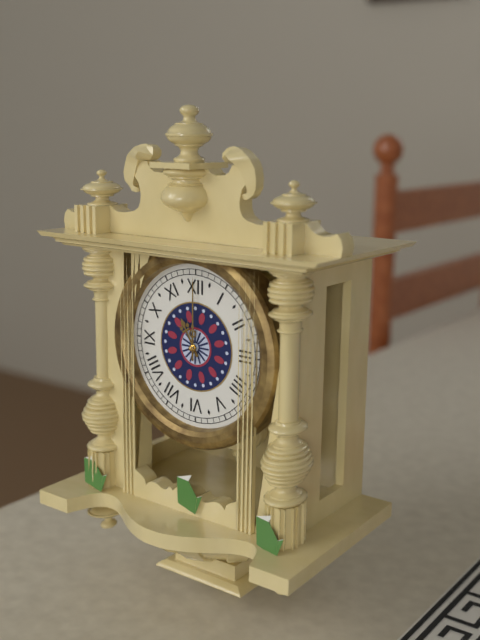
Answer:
11 h 00 min
